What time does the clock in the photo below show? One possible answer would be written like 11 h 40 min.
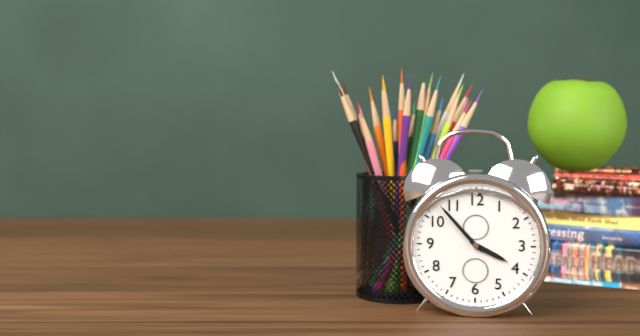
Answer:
3 h 53 min
